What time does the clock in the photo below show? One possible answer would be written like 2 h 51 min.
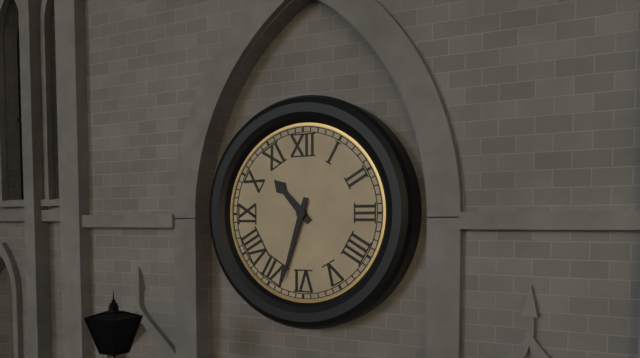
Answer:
10 h 33 min
